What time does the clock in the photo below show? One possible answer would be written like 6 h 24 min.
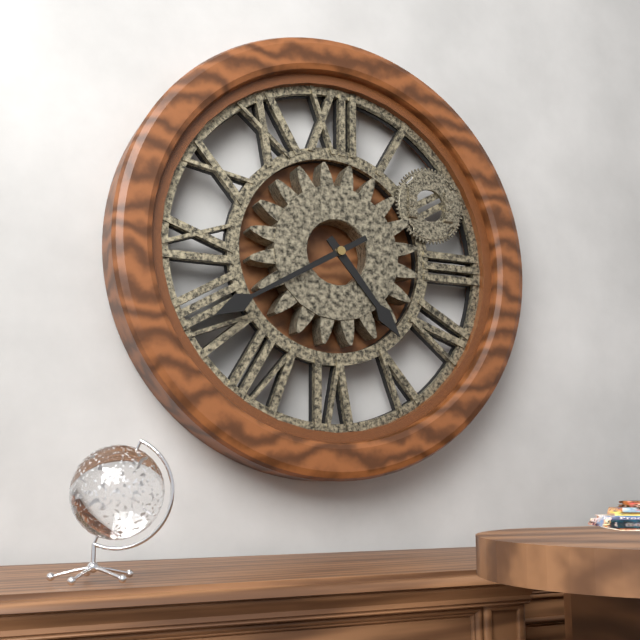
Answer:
4 h 40 min
